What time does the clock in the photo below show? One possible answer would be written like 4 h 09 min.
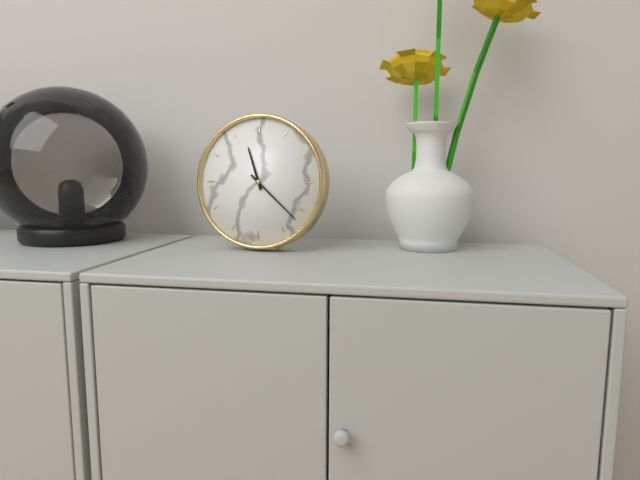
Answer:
11 h 22 min
